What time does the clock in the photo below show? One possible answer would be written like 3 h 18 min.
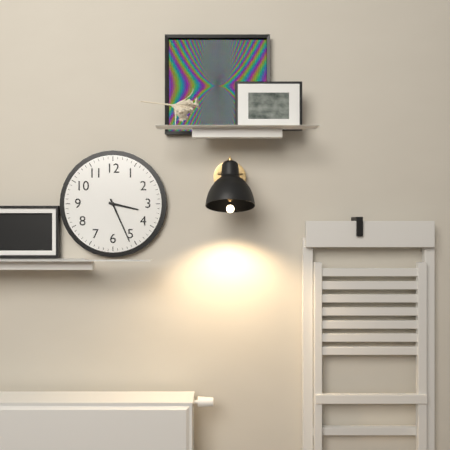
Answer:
3 h 26 min
